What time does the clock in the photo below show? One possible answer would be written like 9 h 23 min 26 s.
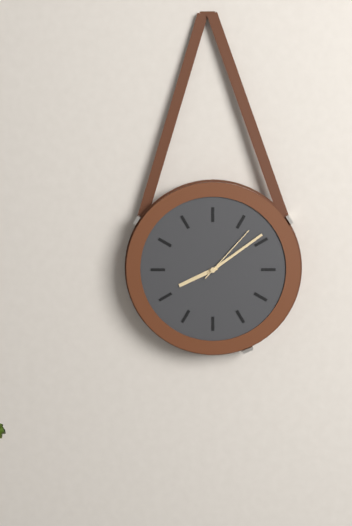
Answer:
8 h 09 min 07 s
